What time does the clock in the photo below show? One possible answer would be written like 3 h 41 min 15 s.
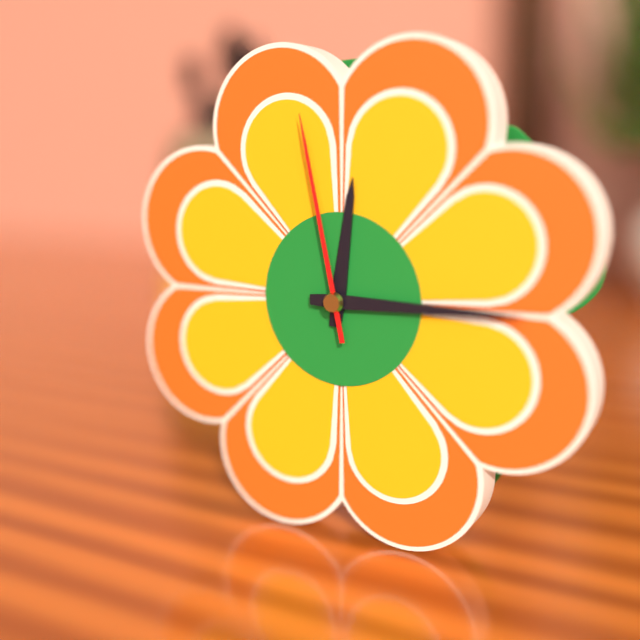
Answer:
12 h 15 min 58 s
